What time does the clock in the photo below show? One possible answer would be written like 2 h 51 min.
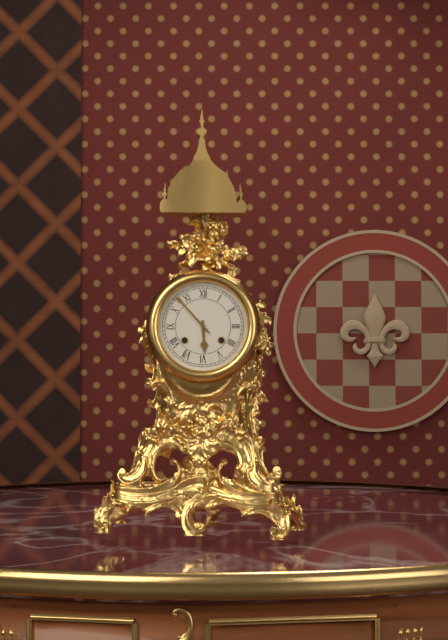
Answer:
5 h 53 min
